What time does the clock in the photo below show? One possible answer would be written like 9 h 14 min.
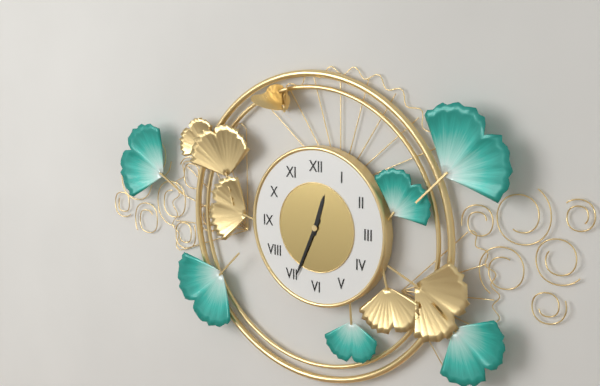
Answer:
12 h 34 min
